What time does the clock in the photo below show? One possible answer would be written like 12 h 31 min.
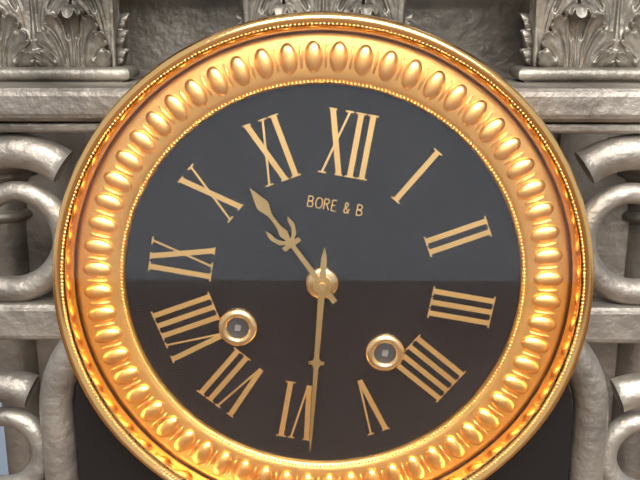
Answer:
10 h 29 min
